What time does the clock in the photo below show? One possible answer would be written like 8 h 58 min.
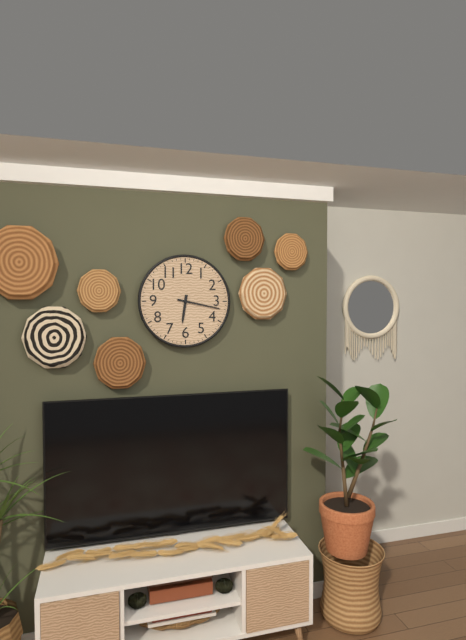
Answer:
6 h 17 min
